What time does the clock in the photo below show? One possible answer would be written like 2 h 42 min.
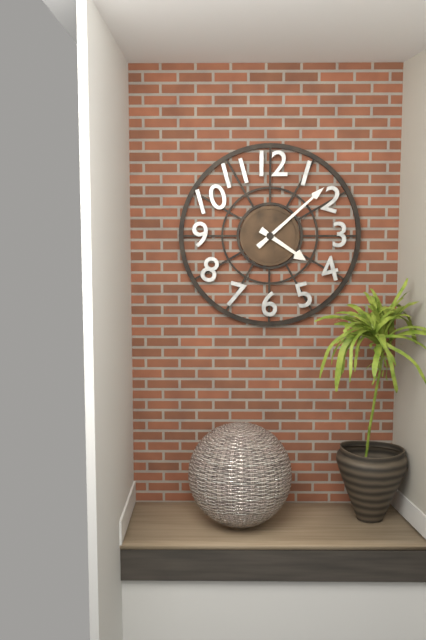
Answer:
4 h 08 min
